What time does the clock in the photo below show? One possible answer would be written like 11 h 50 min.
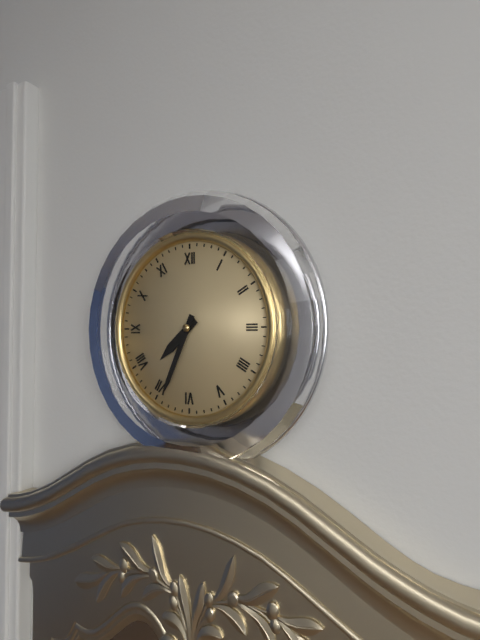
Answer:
7 h 34 min
